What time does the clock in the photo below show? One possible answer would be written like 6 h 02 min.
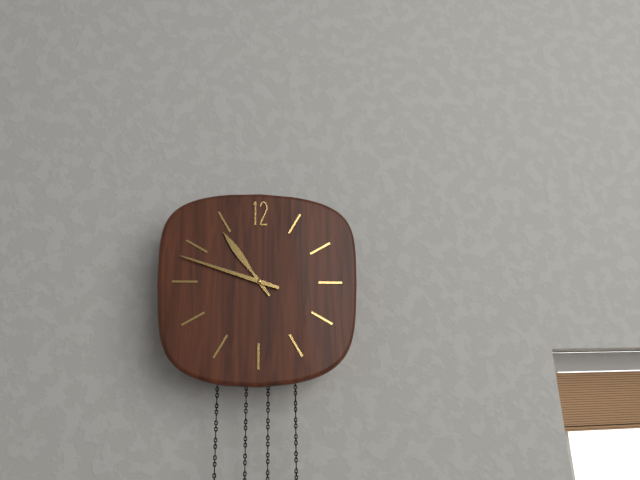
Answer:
10 h 48 min
